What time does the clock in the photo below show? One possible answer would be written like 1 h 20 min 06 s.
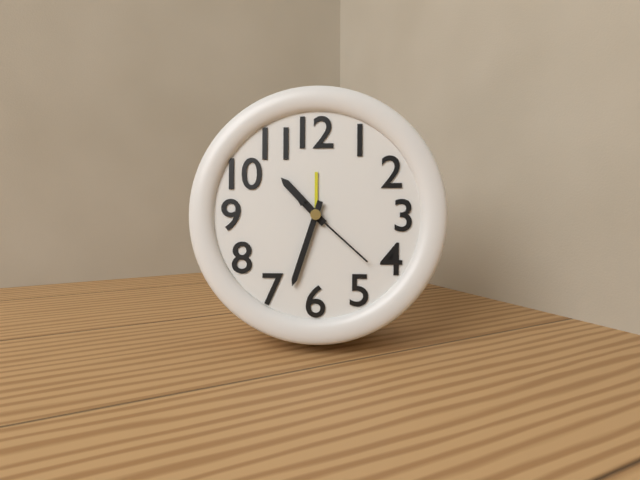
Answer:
10 h 33 min 22 s
